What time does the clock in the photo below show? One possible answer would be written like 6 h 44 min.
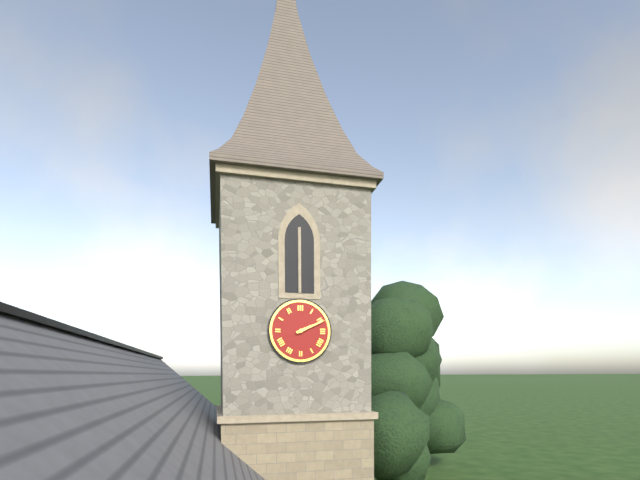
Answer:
2 h 11 min
